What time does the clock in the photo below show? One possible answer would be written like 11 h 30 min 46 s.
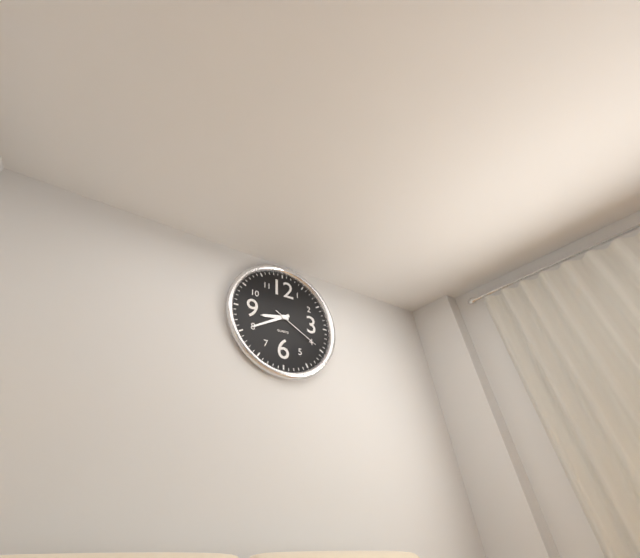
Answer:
8 h 40 min 20 s
